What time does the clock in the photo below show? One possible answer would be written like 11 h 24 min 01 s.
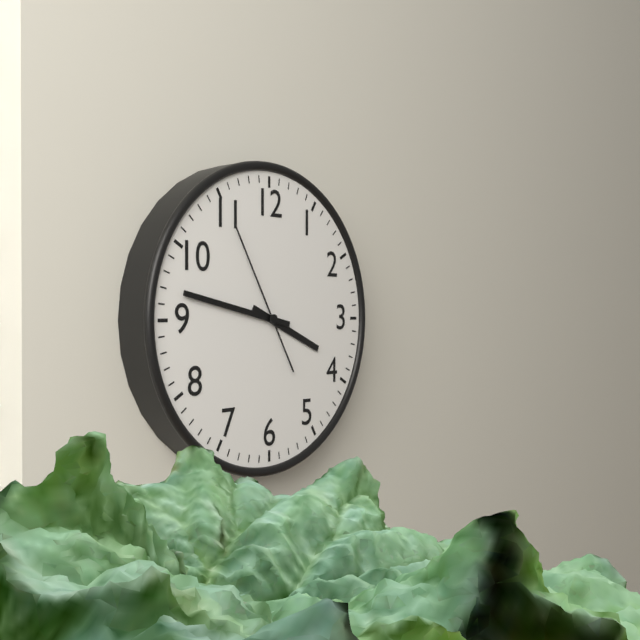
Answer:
3 h 47 min 55 s
